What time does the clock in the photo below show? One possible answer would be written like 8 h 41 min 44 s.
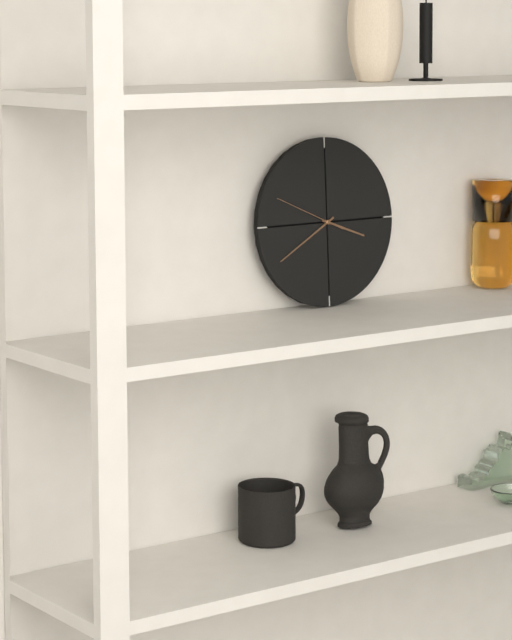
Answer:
3 h 40 min 49 s
